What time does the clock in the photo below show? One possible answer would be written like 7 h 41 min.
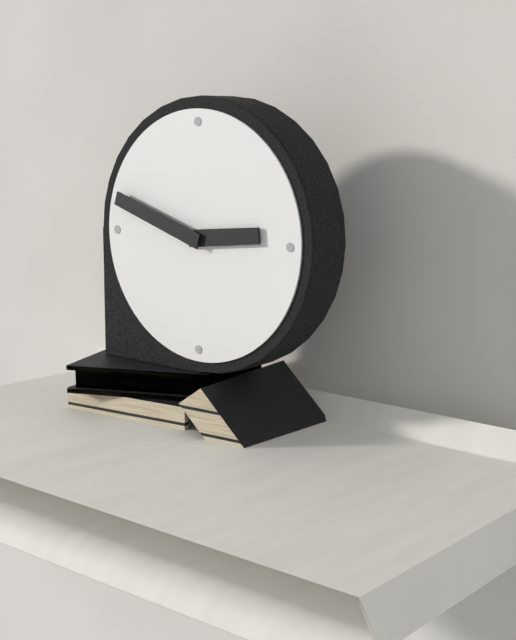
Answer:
2 h 48 min
